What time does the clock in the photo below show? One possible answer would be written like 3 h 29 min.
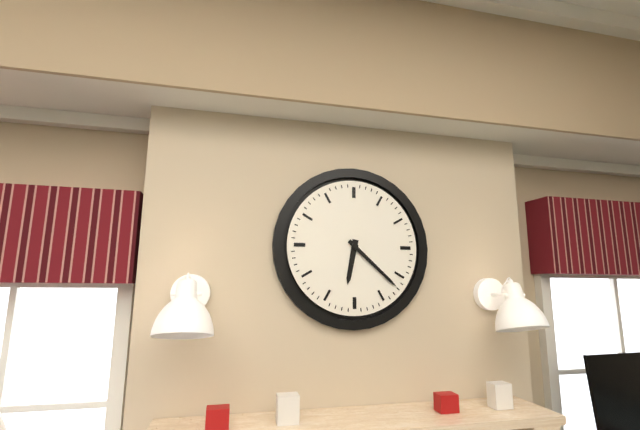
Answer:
6 h 22 min
